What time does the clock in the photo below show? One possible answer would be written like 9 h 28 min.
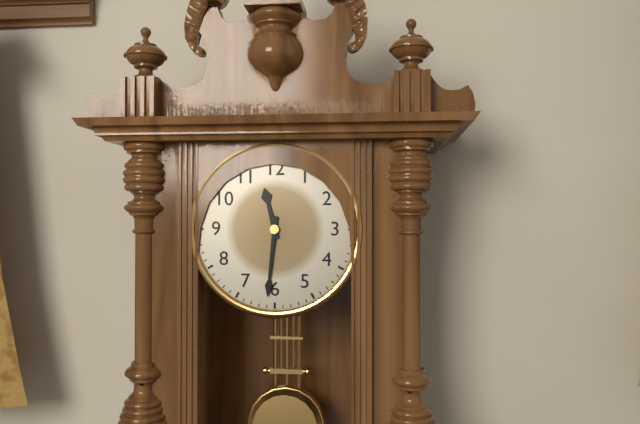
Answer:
11 h 31 min
